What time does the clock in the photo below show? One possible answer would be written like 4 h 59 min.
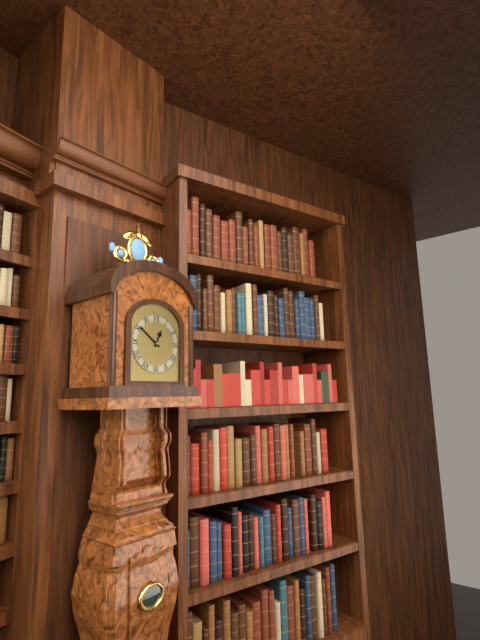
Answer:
12 h 51 min
